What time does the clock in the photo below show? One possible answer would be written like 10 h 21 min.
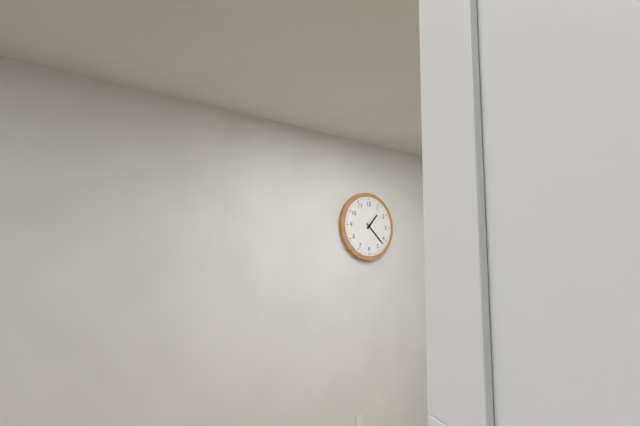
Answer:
1 h 22 min
